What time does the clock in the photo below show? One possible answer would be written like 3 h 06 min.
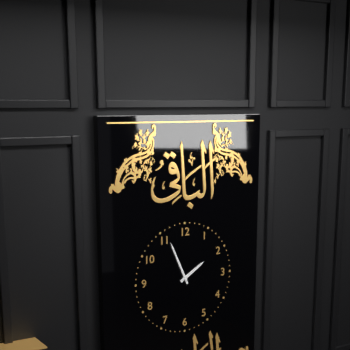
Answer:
1 h 56 min
